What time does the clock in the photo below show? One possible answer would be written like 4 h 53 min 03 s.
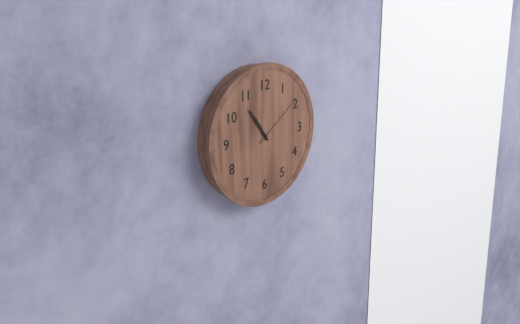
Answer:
10 h 54 min 09 s
